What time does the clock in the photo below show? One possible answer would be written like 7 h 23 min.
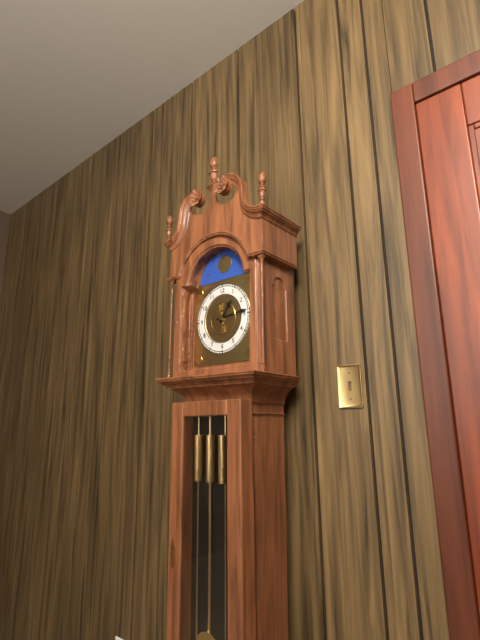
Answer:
1 h 14 min
